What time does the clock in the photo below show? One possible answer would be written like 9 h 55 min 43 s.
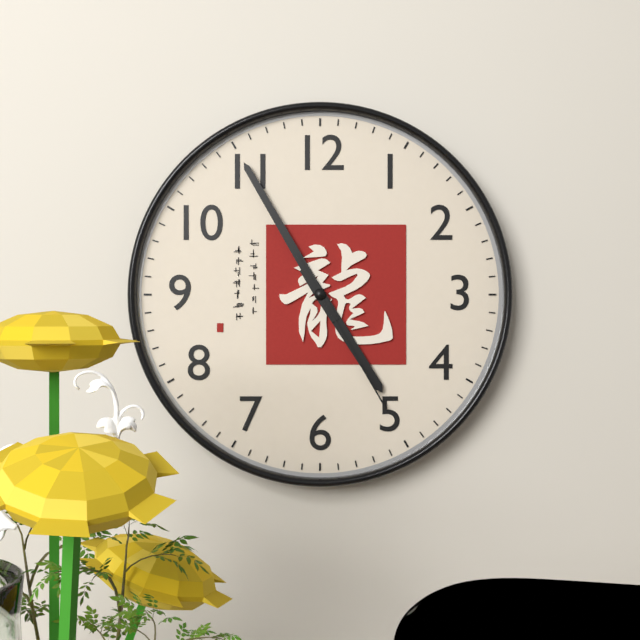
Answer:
4 h 55 min 25 s
